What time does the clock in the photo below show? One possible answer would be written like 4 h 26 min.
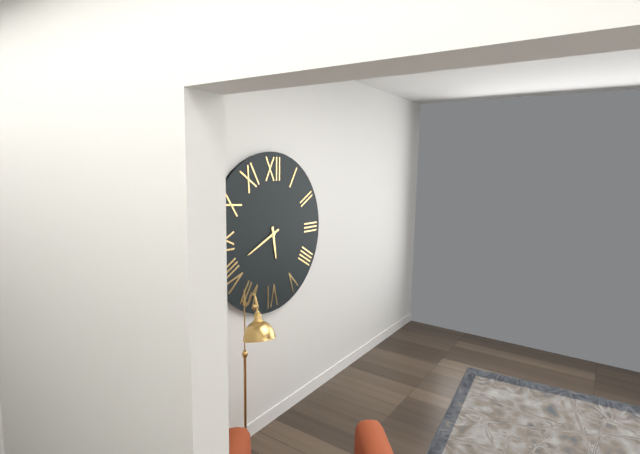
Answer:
5 h 41 min
